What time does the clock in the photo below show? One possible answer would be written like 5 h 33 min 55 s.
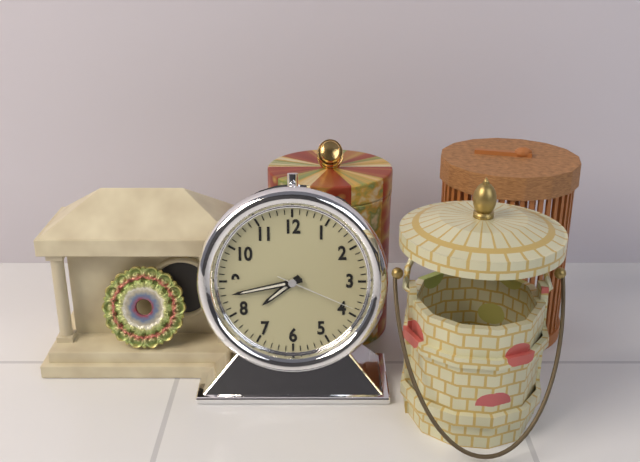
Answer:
7 h 43 min 19 s
